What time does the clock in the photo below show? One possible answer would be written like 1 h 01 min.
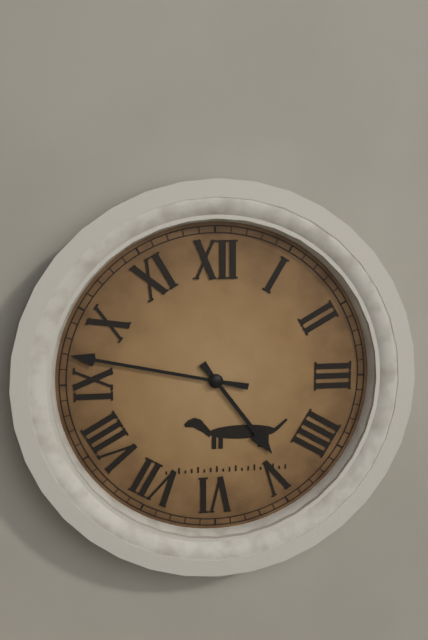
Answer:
4 h 47 min
